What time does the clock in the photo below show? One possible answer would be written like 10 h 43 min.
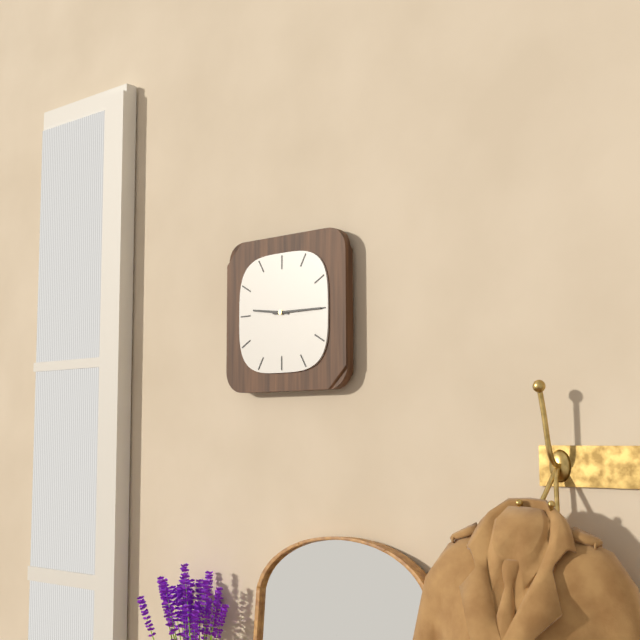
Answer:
9 h 15 min
